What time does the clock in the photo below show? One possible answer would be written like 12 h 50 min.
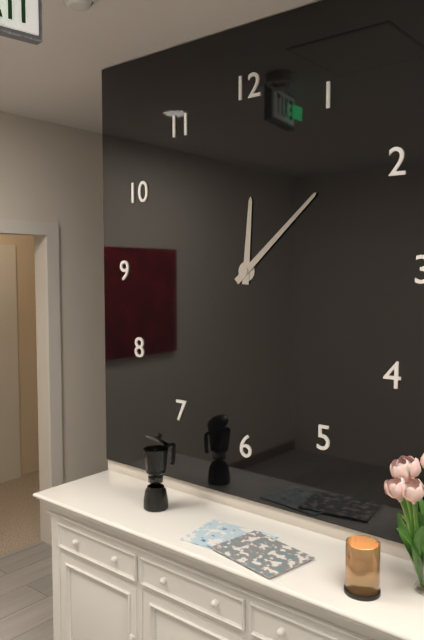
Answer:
12 h 08 min
